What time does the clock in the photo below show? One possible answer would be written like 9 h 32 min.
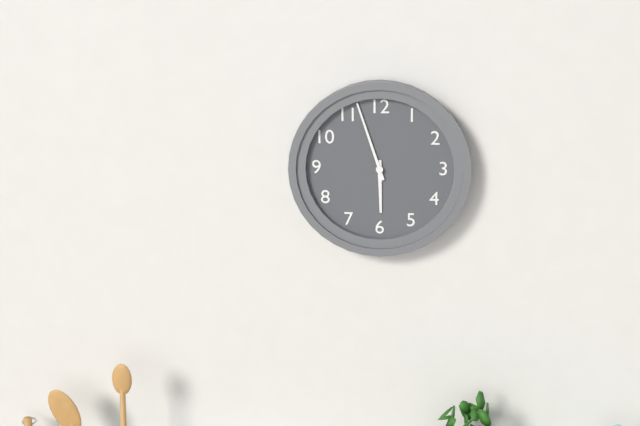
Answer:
5 h 57 min
